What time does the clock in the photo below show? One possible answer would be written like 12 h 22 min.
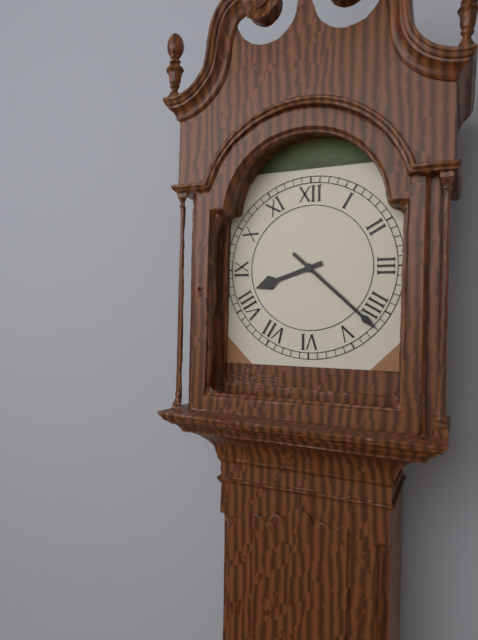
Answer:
8 h 22 min
